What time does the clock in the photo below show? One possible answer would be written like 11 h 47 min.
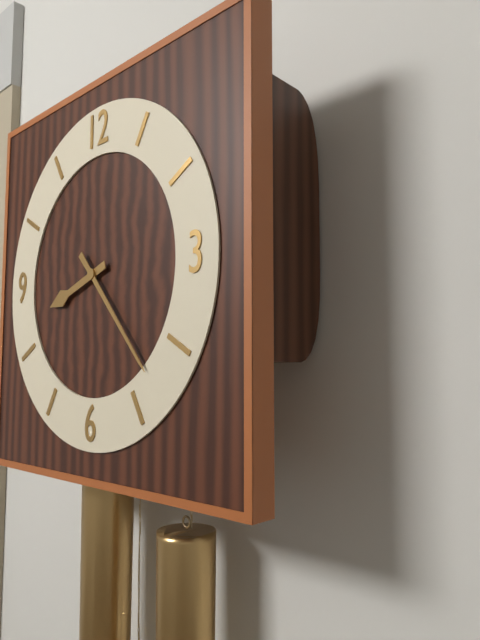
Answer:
8 h 23 min
